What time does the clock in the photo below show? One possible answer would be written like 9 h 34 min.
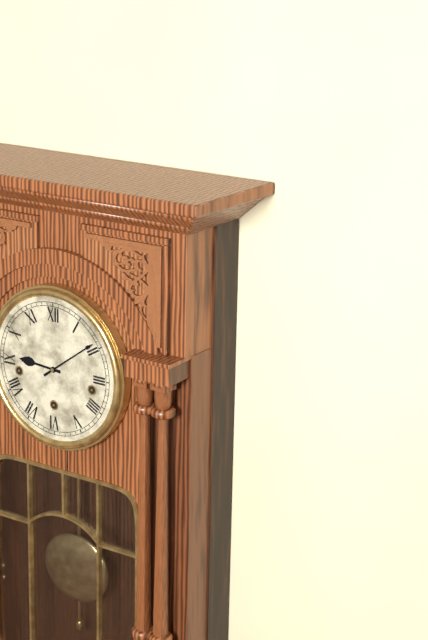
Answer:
9 h 09 min
